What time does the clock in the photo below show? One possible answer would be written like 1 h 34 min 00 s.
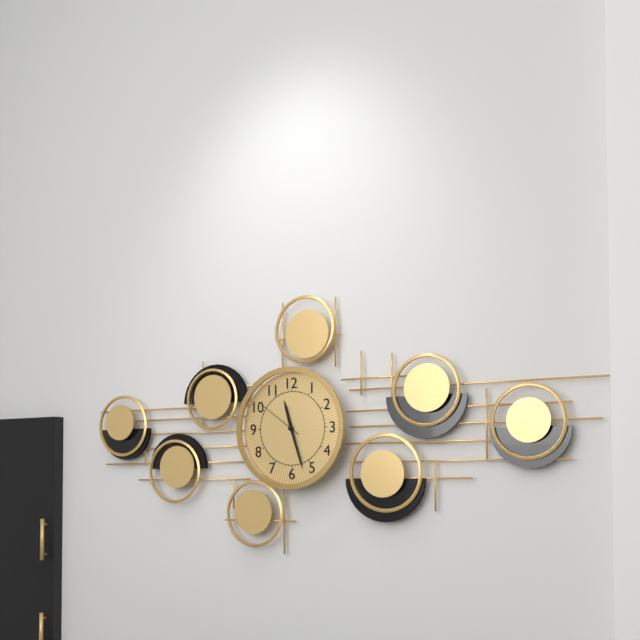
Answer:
11 h 27 min 51 s
